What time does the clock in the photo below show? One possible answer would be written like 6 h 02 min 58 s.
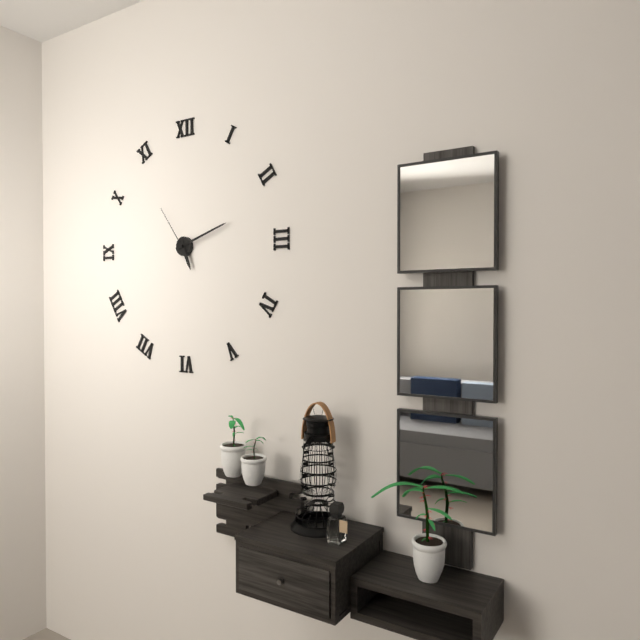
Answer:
5 h 12 min 54 s
